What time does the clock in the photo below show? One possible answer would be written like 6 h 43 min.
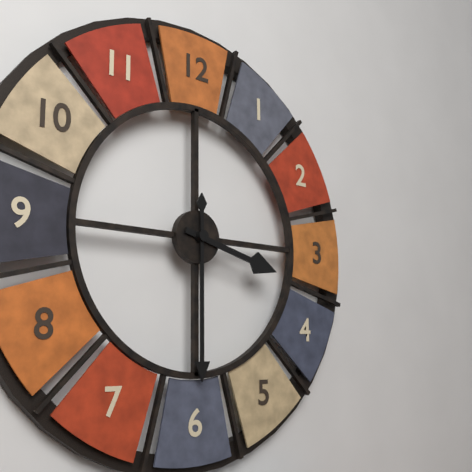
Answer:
3 h 30 min
